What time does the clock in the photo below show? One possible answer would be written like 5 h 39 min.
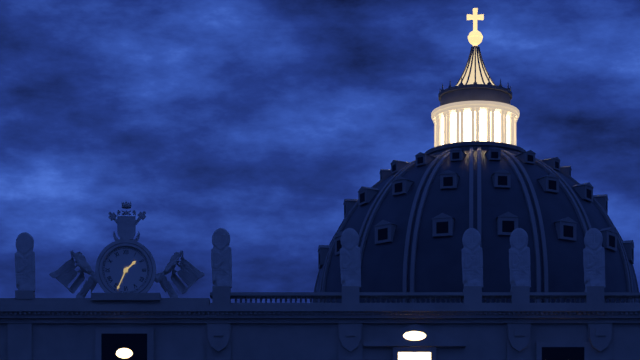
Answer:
1 h 34 min
